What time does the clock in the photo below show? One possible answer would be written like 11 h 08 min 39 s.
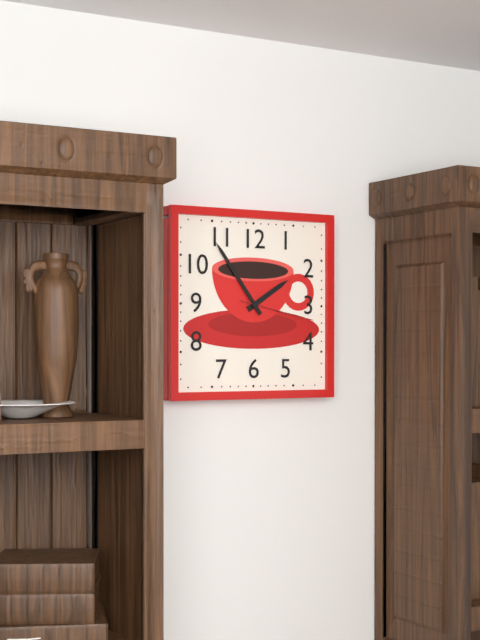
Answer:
1 h 54 min 17 s
